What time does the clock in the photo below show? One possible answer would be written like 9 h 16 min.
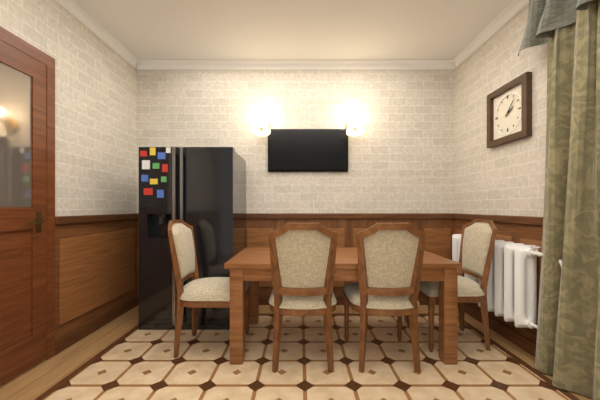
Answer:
2 h 07 min
